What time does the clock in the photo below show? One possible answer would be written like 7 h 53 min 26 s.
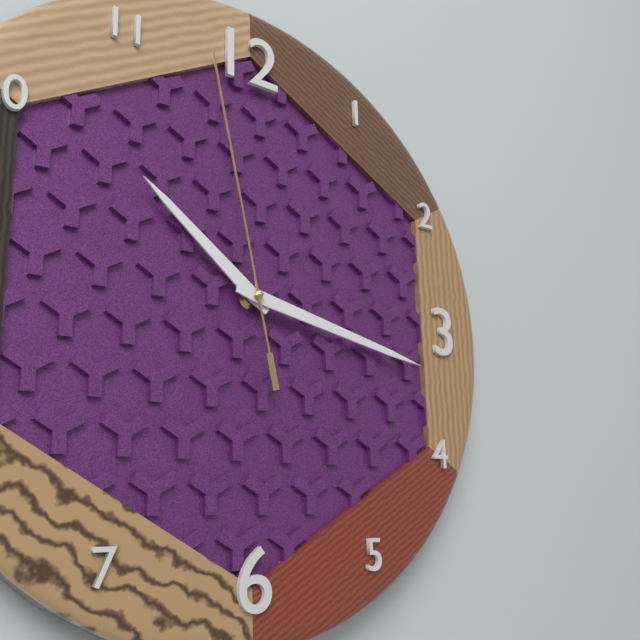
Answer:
10 h 17 min 58 s
